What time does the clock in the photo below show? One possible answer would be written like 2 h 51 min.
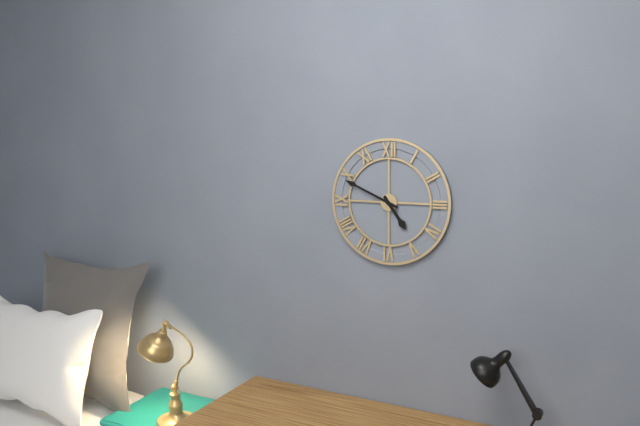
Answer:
4 h 49 min
